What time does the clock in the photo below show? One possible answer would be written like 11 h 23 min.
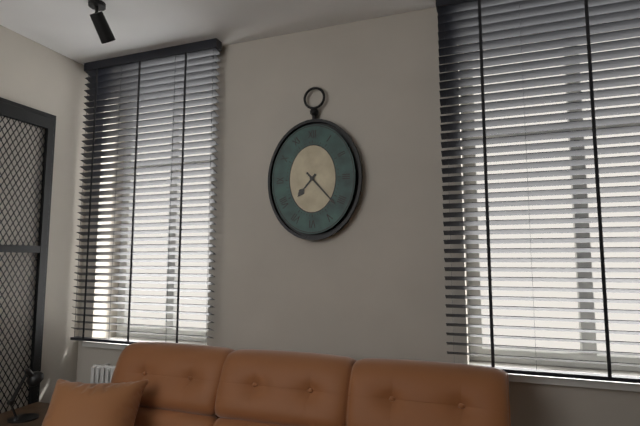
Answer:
7 h 23 min
